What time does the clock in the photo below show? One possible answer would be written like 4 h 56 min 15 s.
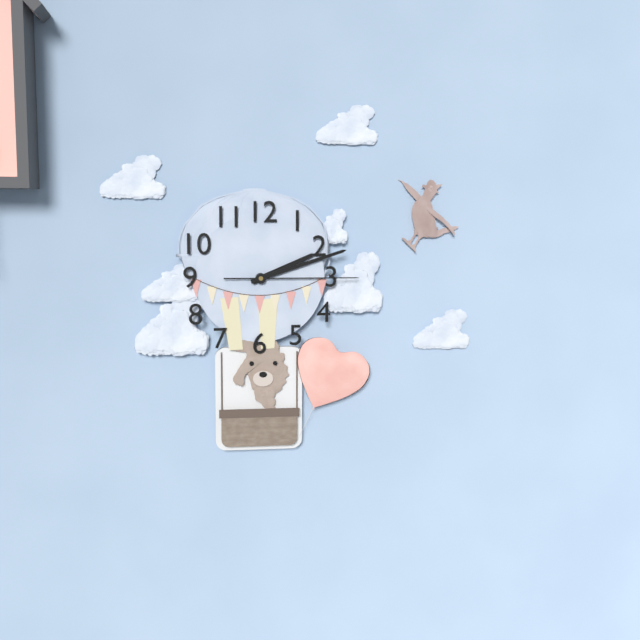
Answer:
2 h 12 min 15 s
